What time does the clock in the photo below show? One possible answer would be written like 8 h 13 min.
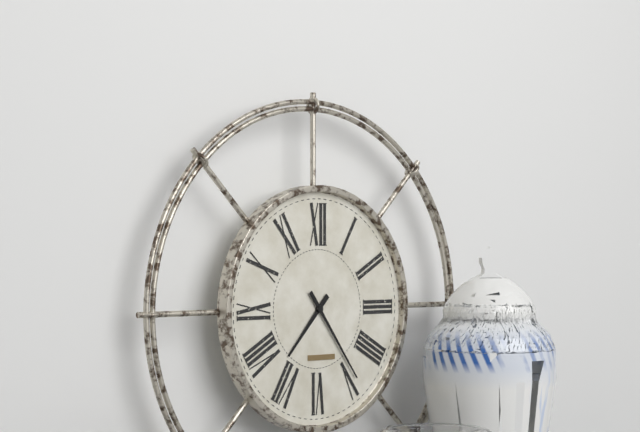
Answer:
7 h 24 min
